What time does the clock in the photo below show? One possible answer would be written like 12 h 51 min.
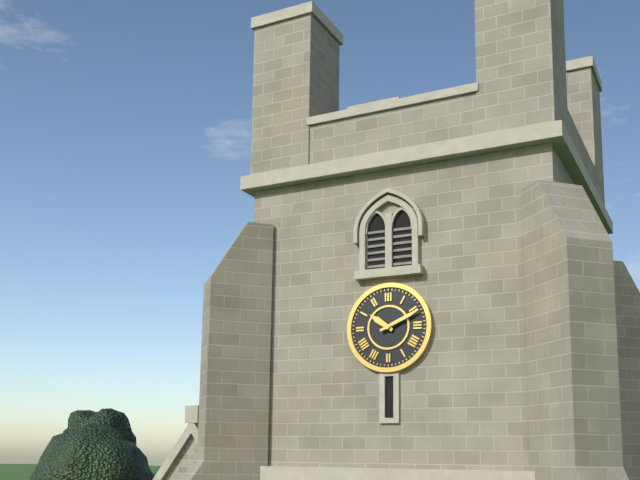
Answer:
10 h 11 min
